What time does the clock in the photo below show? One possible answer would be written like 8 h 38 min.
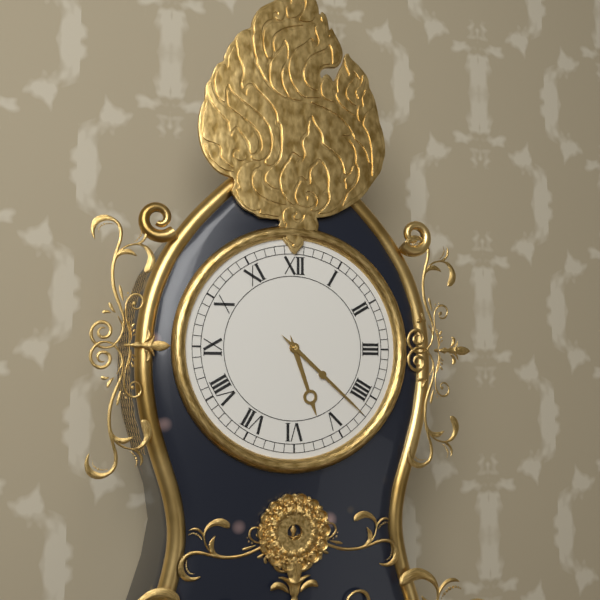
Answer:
5 h 22 min
